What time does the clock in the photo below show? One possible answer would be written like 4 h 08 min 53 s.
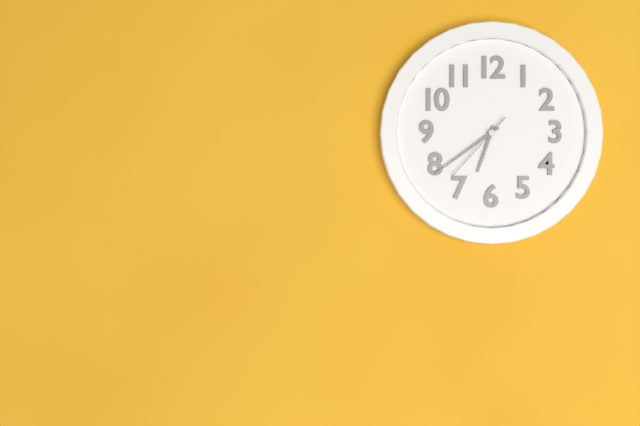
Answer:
6 h 39 min 37 s
